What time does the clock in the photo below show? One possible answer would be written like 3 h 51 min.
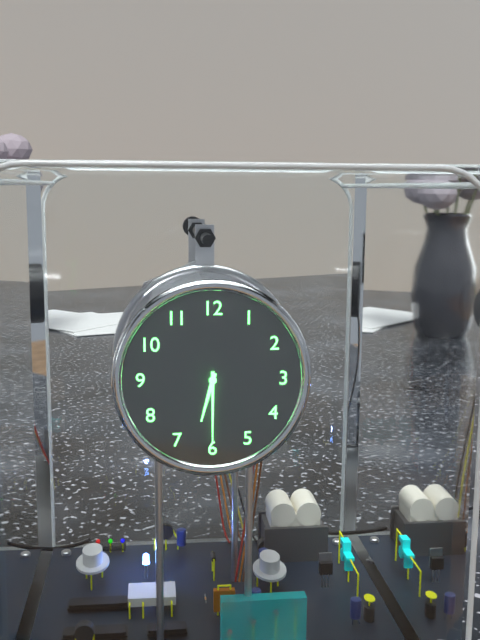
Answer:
6 h 30 min
